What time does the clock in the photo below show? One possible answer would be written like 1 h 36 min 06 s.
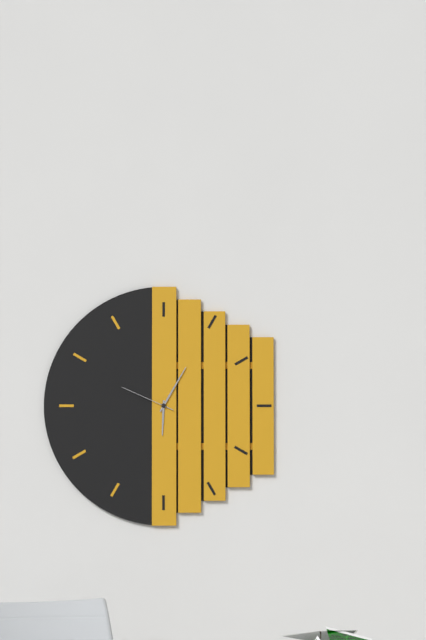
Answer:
6 h 05 min 49 s
